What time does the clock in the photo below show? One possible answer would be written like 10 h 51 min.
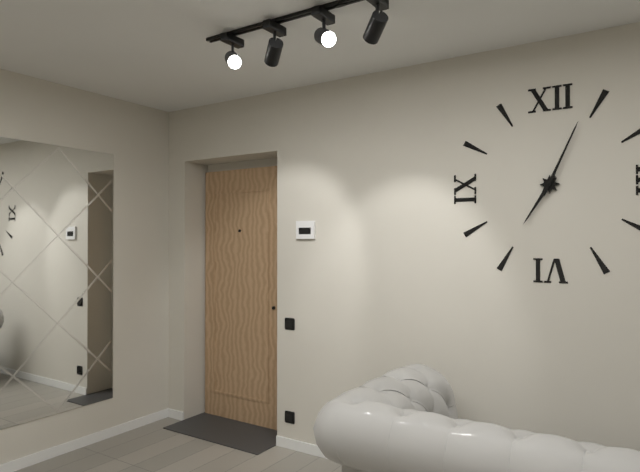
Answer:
7 h 04 min
